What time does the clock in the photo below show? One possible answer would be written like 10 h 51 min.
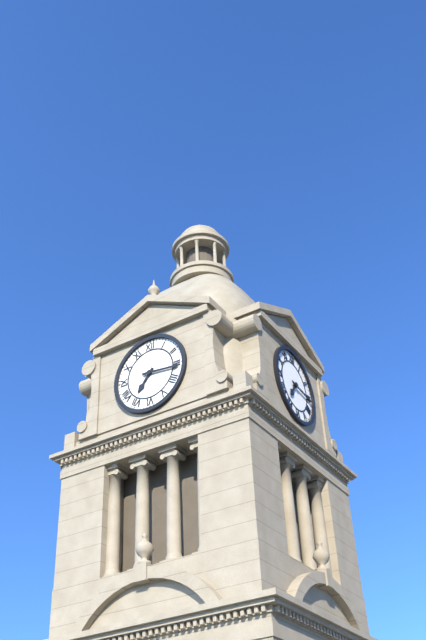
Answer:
7 h 16 min
